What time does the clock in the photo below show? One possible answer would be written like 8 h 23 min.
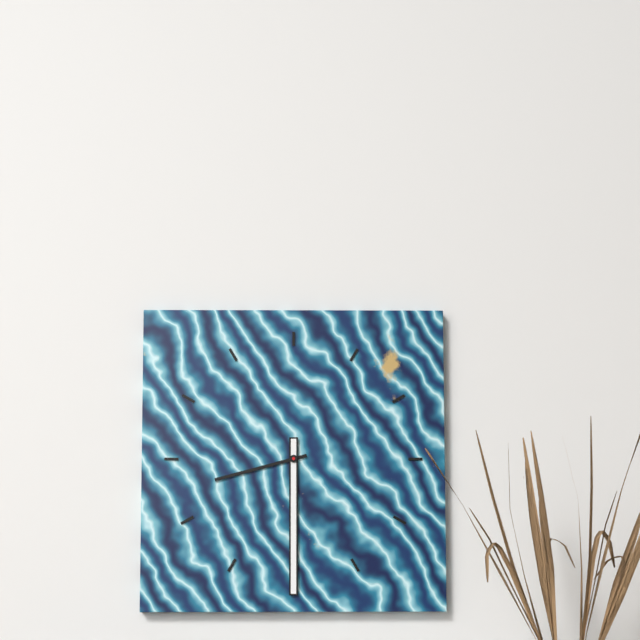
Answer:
8 h 30 min
